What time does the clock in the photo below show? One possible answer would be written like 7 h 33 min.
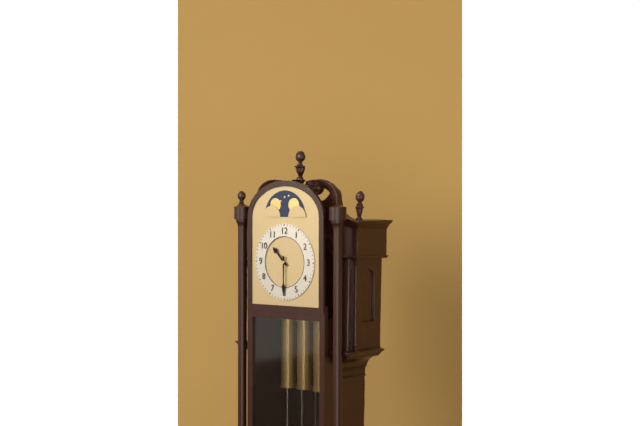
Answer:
10 h 30 min
